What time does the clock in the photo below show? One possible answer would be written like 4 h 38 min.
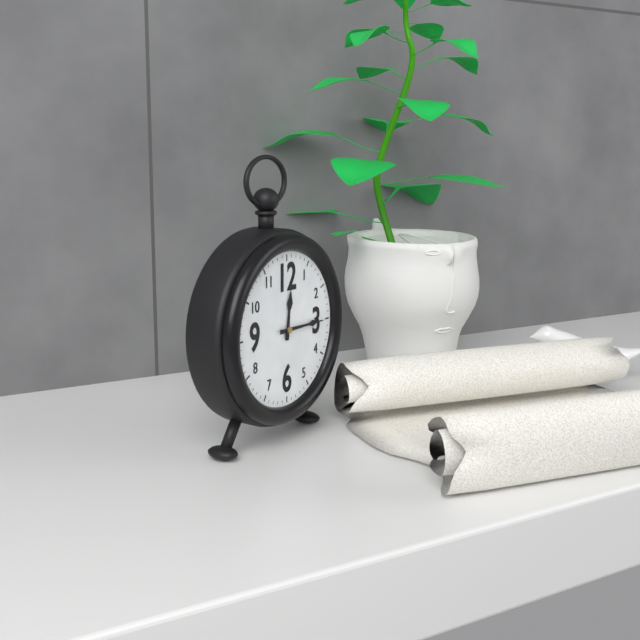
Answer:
12 h 15 min
